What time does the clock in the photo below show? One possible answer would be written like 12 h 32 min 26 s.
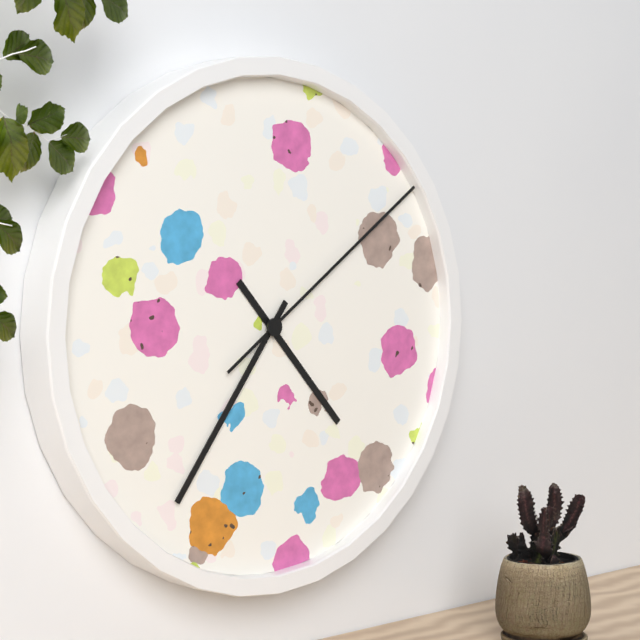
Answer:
4 h 36 min 09 s
